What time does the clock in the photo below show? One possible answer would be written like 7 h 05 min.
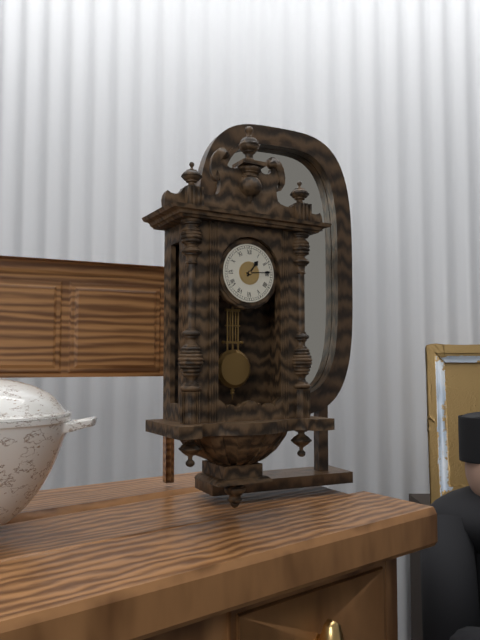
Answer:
1 h 14 min
